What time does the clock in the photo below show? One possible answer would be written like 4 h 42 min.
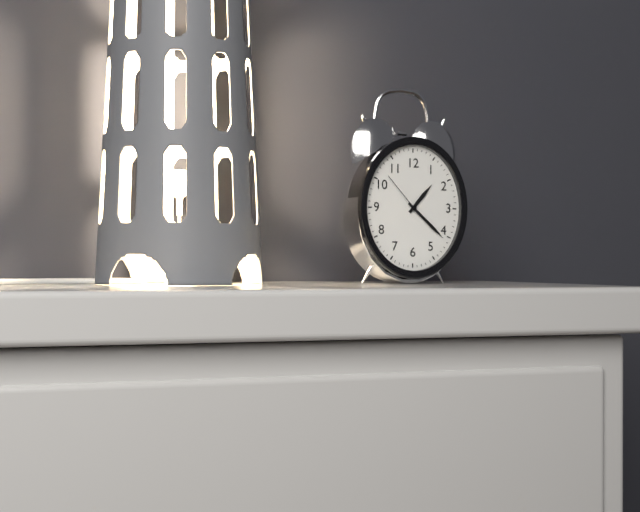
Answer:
1 h 22 min
